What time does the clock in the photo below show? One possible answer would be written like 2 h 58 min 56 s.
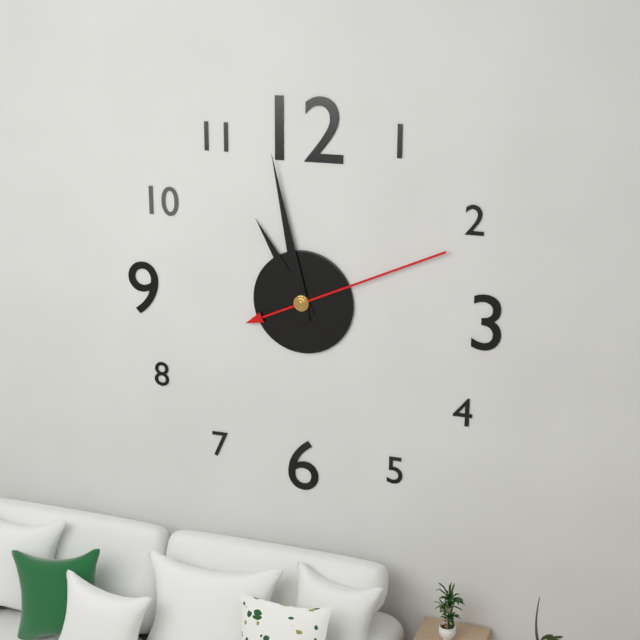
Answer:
10 h 58 min 11 s
